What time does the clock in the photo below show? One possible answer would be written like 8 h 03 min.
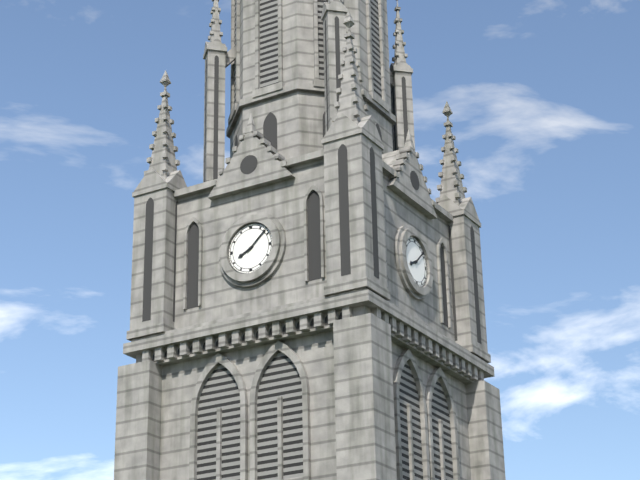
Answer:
8 h 08 min
